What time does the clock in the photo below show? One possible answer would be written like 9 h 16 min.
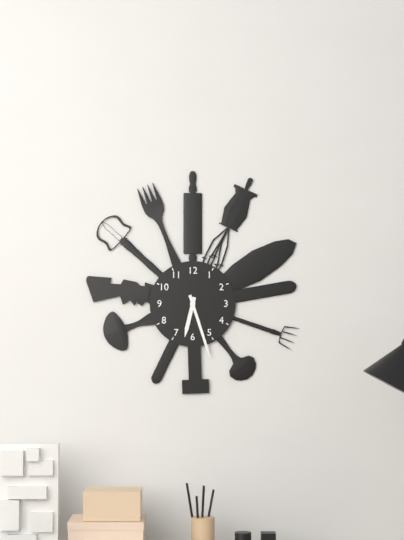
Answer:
6 h 27 min
